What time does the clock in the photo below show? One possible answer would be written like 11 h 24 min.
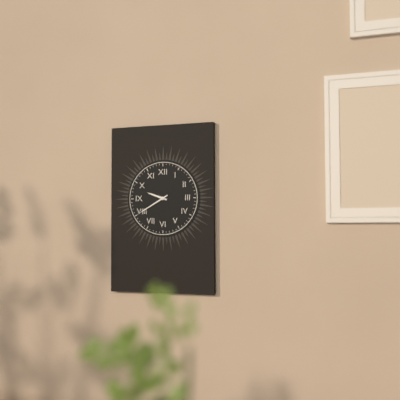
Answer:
9 h 40 min
